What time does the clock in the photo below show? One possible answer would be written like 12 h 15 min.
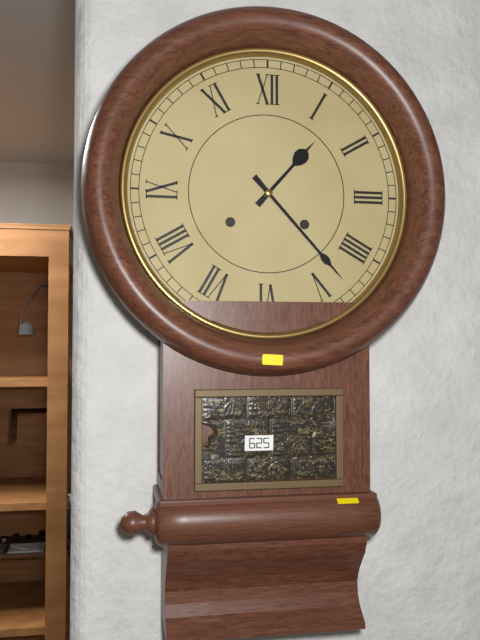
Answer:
1 h 23 min
